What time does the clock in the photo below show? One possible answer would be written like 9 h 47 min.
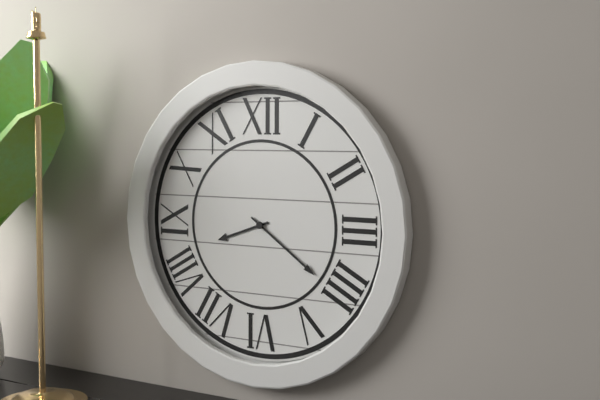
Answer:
8 h 21 min
